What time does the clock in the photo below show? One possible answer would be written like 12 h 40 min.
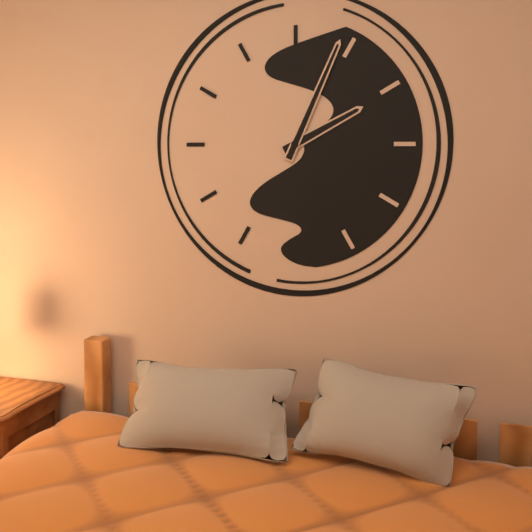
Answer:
2 h 04 min
